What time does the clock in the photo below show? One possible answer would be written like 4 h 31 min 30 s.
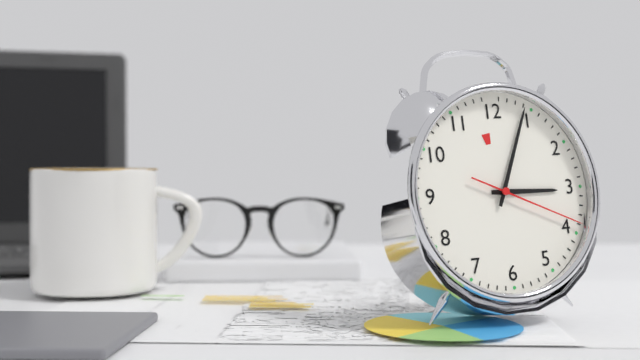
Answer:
3 h 04 min 19 s
